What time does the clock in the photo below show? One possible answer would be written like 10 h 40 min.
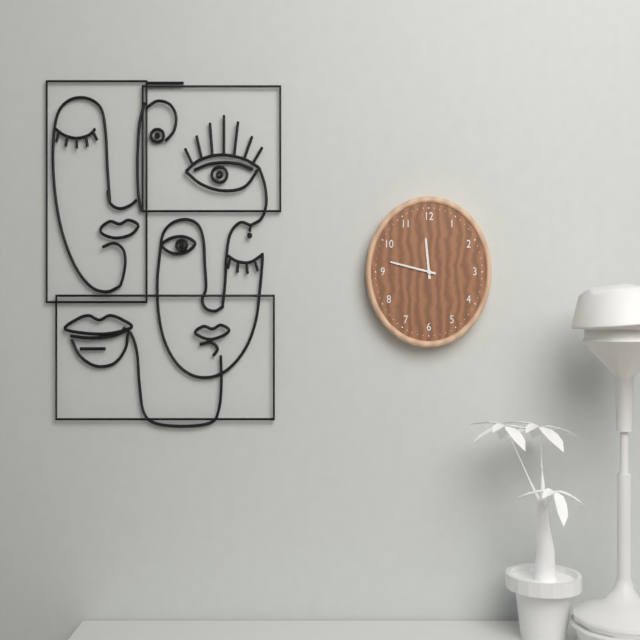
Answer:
11 h 47 min
